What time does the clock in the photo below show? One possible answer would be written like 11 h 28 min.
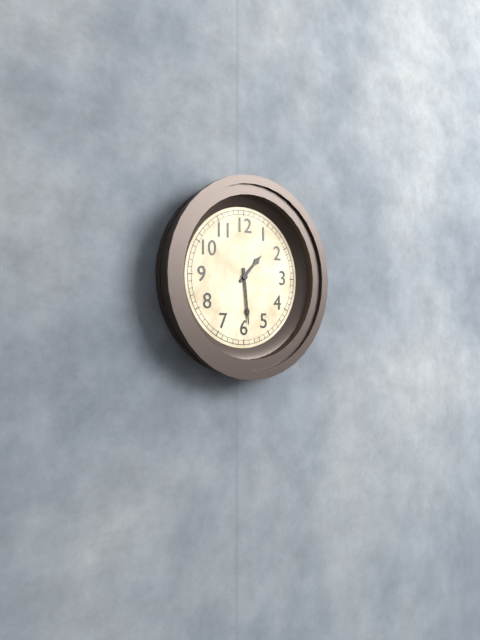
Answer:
1 h 29 min
